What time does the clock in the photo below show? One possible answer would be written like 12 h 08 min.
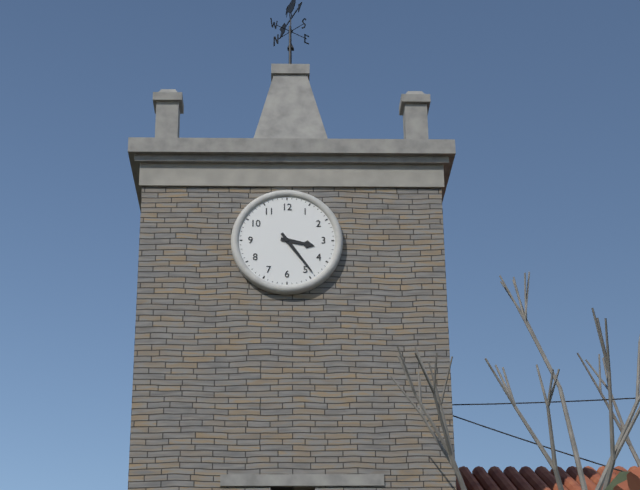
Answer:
3 h 24 min
